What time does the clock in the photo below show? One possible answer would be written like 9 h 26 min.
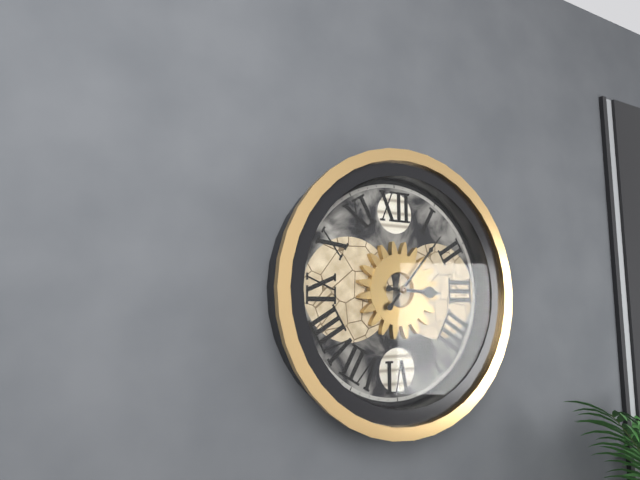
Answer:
3 h 07 min
